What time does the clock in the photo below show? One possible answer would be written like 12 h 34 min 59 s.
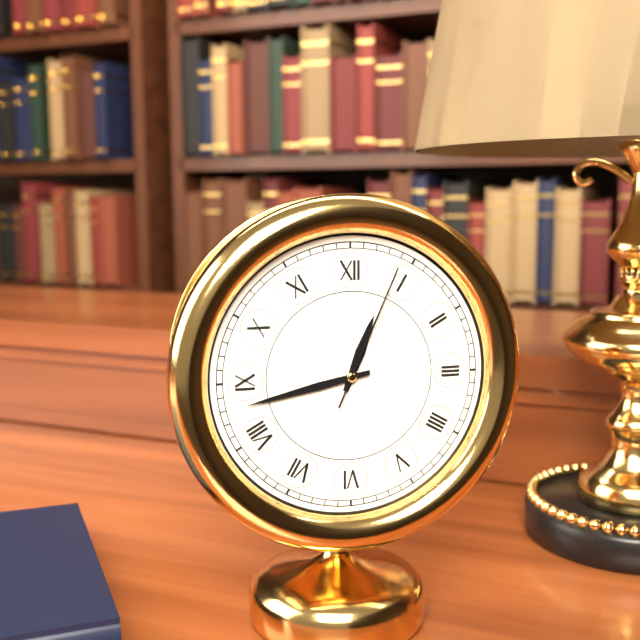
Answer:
12 h 43 min 04 s
